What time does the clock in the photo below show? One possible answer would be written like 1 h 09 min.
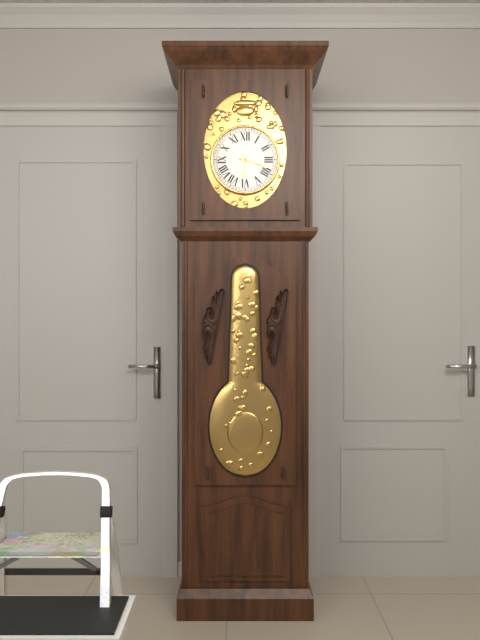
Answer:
6 h 18 min
